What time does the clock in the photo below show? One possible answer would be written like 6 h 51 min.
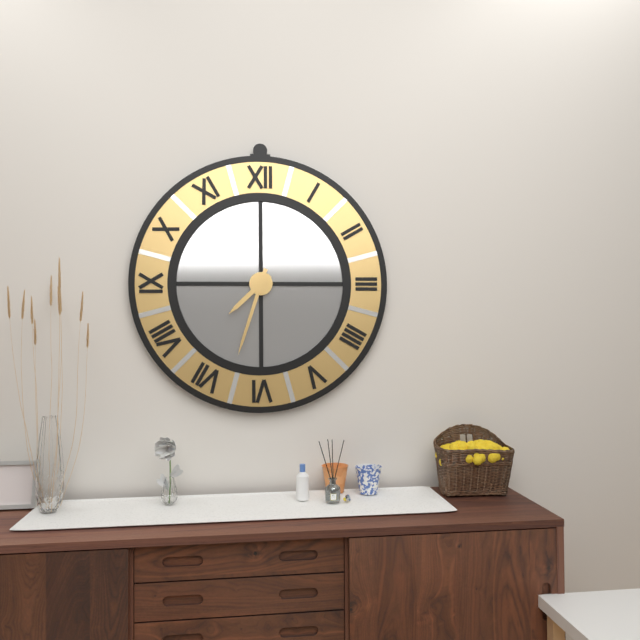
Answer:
7 h 33 min
